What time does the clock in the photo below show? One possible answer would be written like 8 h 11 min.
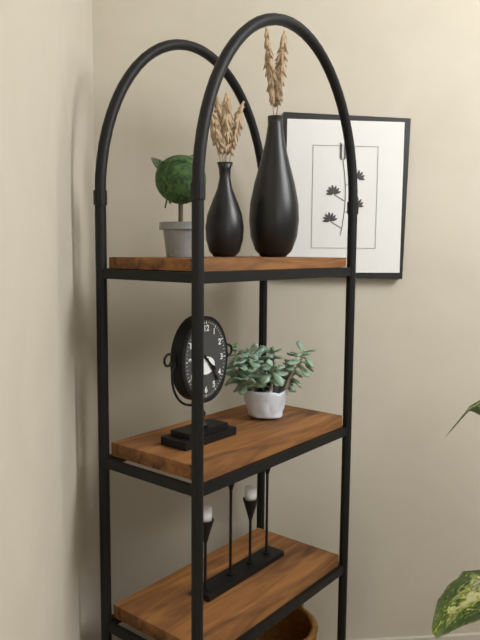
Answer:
4 h 24 min
